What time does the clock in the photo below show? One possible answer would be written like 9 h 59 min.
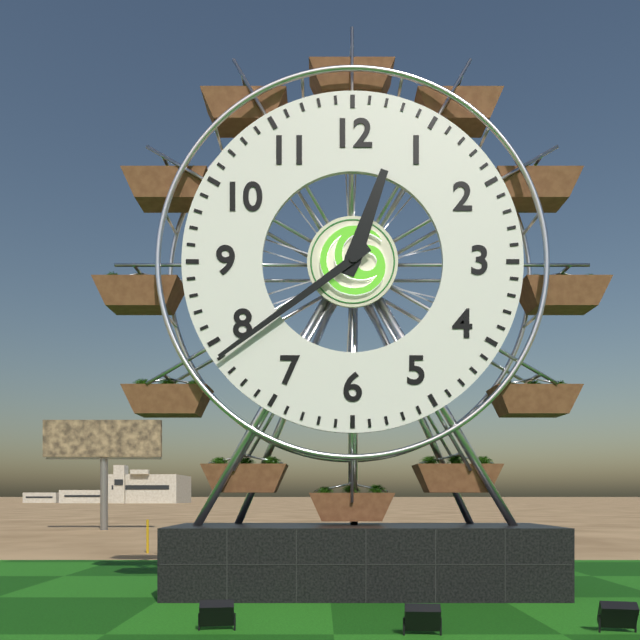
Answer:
12 h 39 min
